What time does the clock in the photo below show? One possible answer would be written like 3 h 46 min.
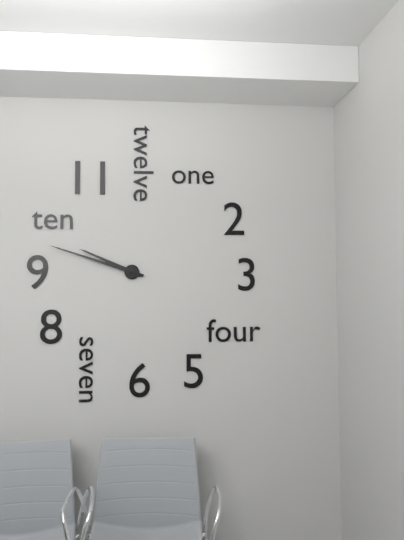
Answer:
9 h 48 min
